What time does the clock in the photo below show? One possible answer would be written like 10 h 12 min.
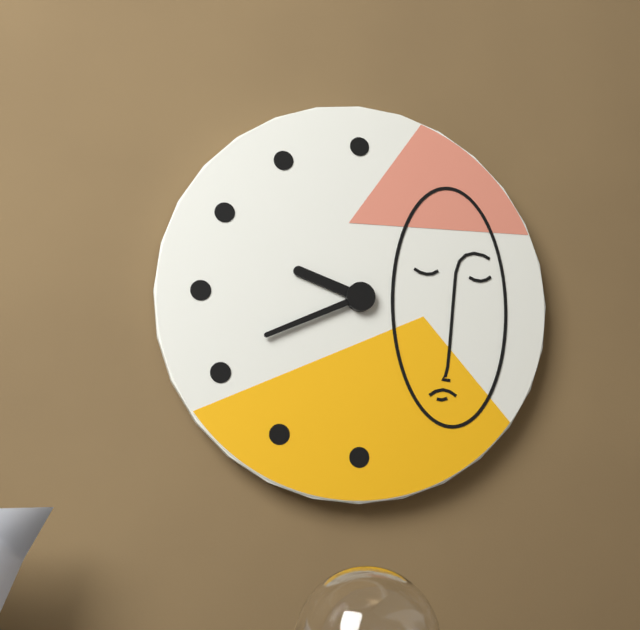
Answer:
9 h 41 min
